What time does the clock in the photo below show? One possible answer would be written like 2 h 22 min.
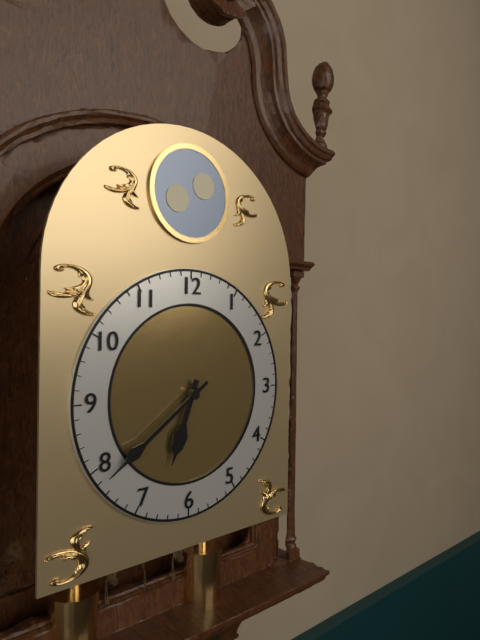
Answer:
6 h 39 min
